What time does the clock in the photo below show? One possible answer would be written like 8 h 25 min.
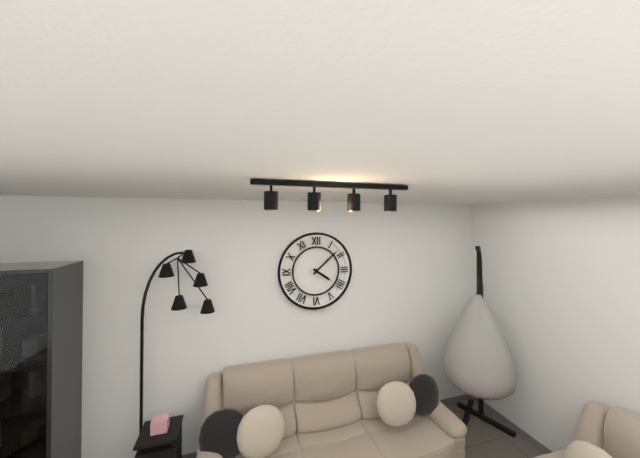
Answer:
4 h 08 min
